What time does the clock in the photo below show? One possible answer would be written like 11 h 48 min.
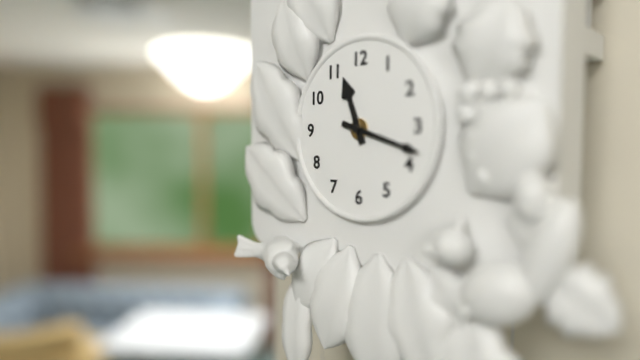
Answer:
11 h 18 min
